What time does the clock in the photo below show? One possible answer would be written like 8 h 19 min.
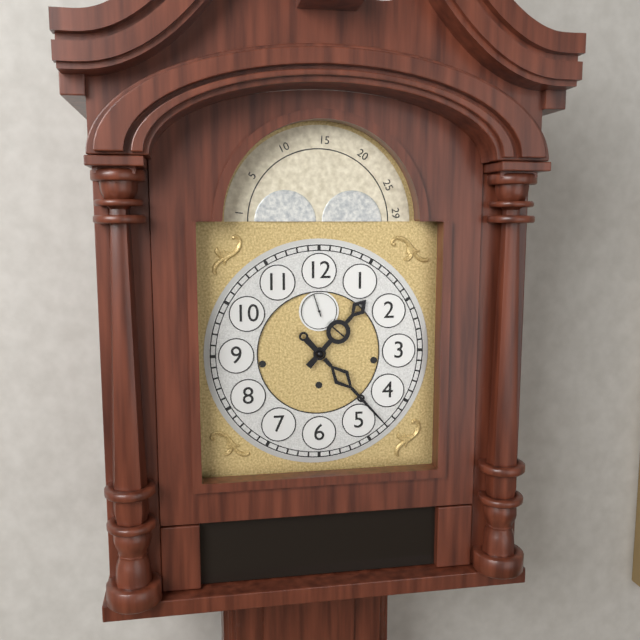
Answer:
1 h 23 min
